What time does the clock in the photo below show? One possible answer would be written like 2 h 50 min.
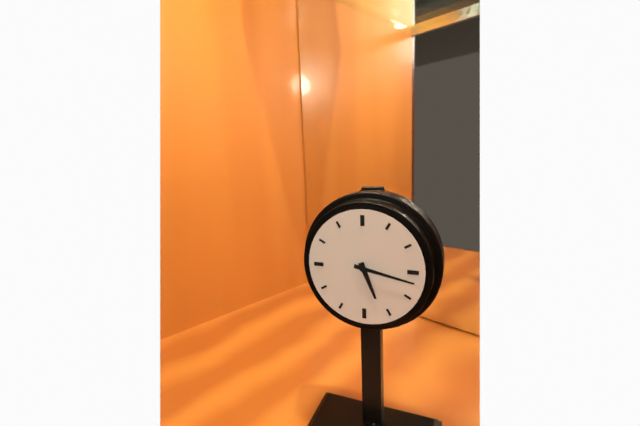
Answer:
5 h 17 min
